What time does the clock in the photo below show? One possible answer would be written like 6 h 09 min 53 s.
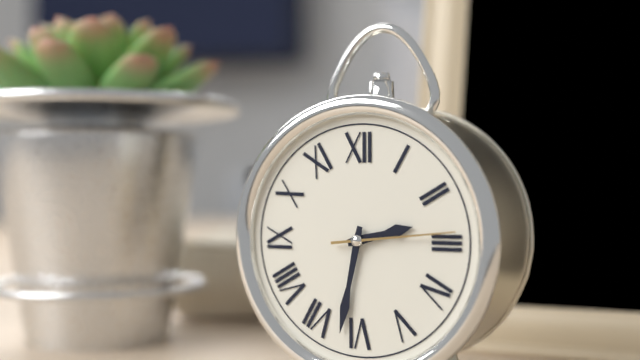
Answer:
2 h 32 min 14 s
